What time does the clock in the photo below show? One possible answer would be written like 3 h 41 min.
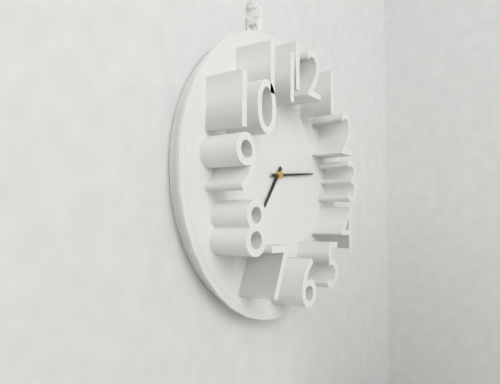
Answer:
7 h 14 min
